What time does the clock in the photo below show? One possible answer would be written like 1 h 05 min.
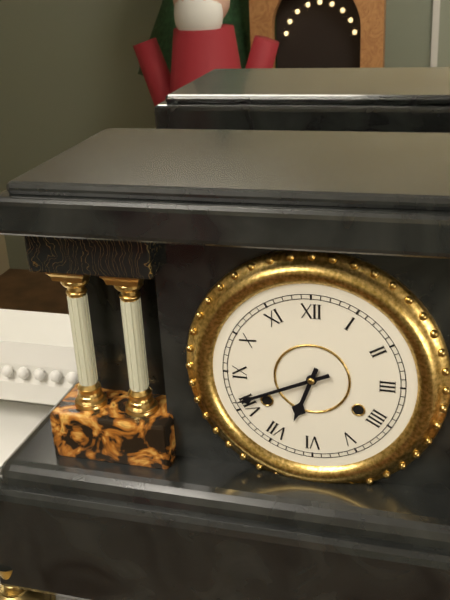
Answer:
6 h 41 min
